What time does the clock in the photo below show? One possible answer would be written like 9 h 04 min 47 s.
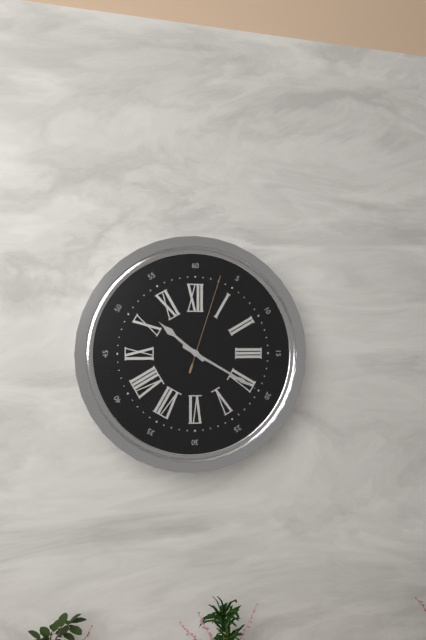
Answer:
10 h 20 min 03 s
